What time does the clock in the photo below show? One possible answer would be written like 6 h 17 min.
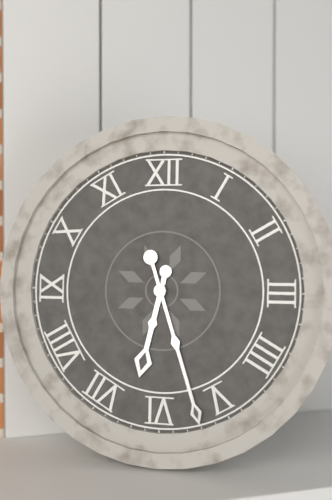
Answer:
6 h 27 min
